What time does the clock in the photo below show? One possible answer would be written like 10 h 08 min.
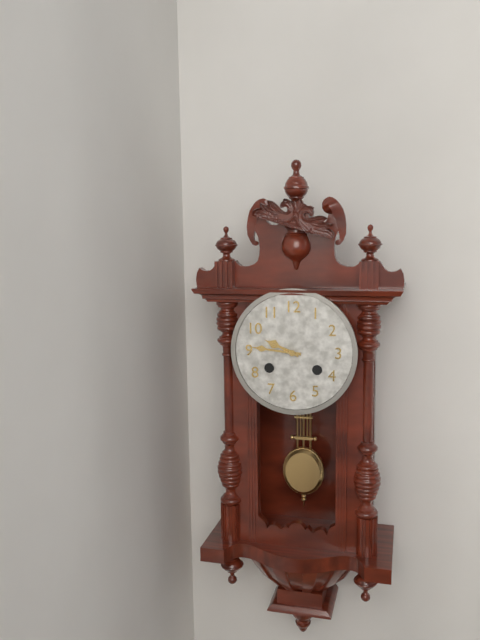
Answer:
9 h 46 min
